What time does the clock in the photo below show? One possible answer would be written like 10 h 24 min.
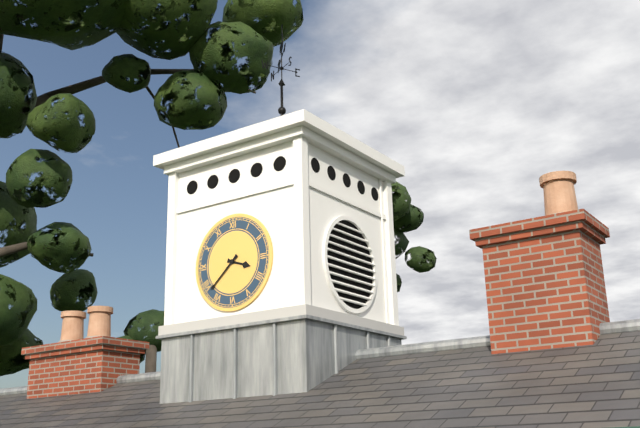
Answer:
3 h 38 min
